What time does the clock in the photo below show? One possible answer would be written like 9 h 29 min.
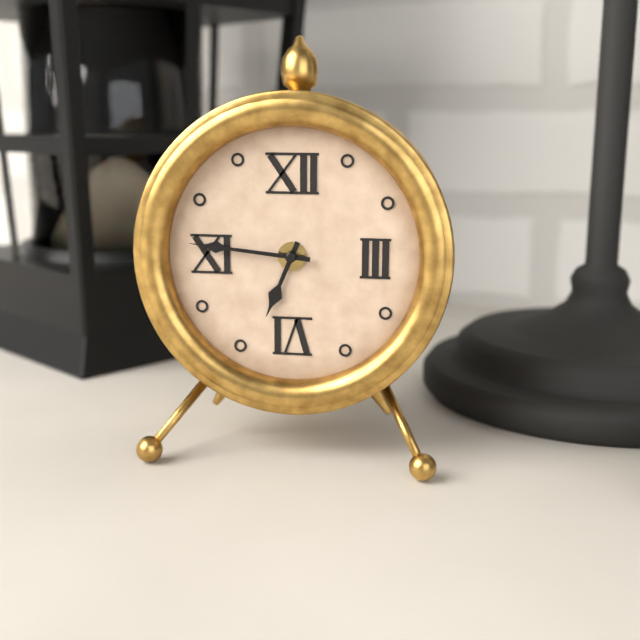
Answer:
6 h 46 min
